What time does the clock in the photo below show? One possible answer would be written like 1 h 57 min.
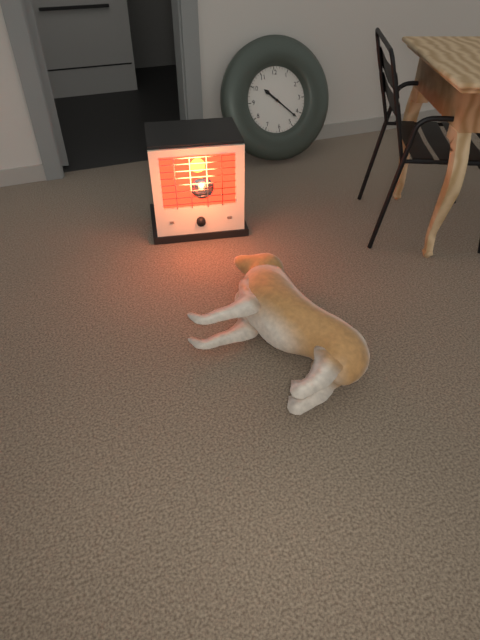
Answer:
10 h 22 min
